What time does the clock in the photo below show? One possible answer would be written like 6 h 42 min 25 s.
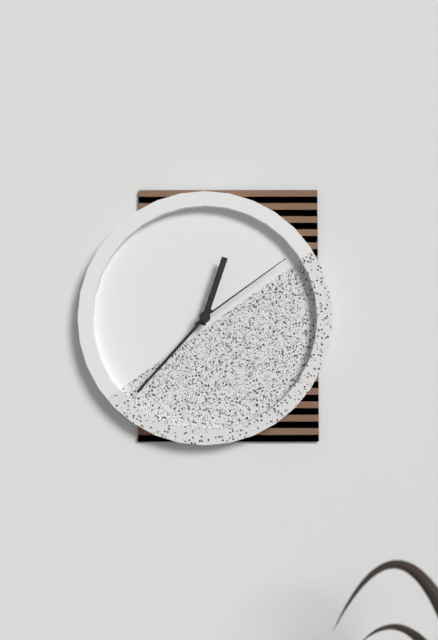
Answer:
12 h 37 min 09 s
